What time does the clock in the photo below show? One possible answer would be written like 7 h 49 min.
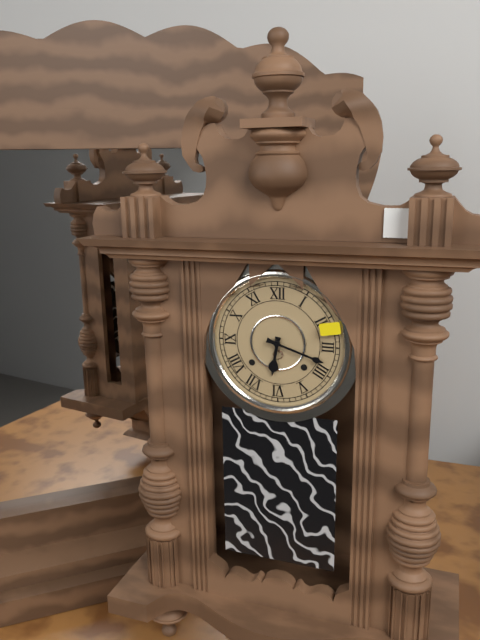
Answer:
6 h 18 min
